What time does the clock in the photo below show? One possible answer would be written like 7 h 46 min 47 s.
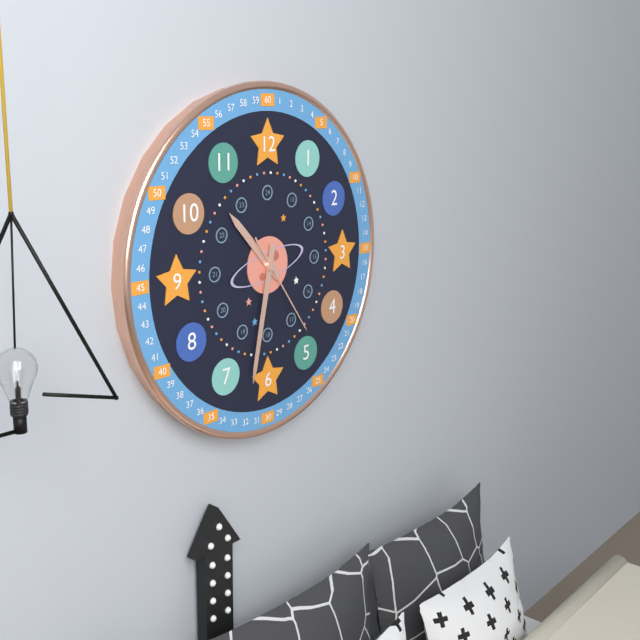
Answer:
10 h 32 min 24 s
